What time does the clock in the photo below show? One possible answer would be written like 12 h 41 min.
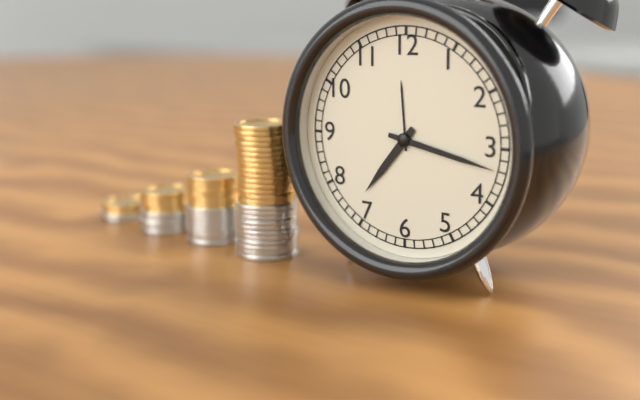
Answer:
7 h 17 min
